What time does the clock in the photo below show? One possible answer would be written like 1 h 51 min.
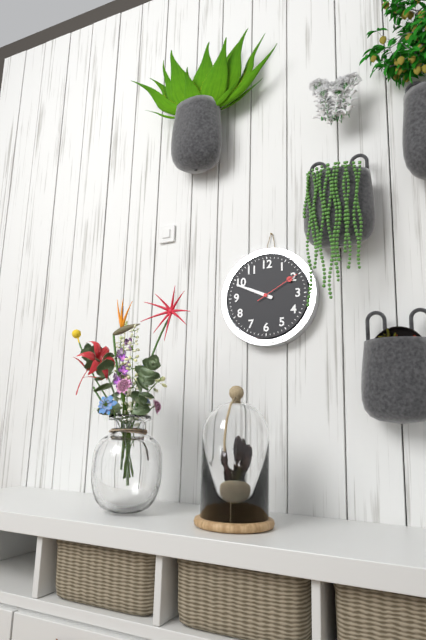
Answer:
9 h 49 min
